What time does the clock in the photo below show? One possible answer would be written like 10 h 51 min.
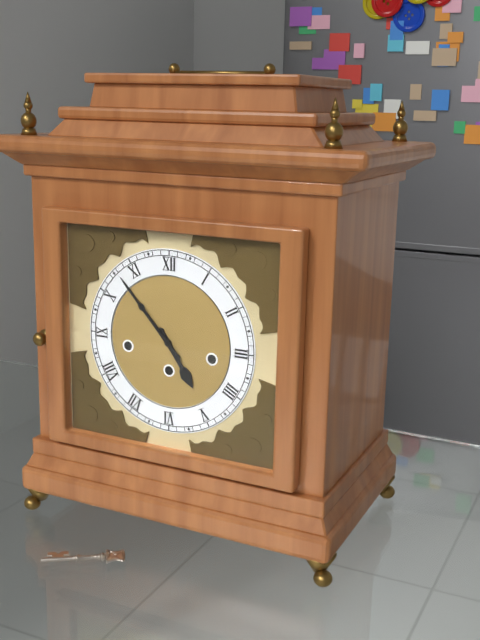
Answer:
4 h 53 min
